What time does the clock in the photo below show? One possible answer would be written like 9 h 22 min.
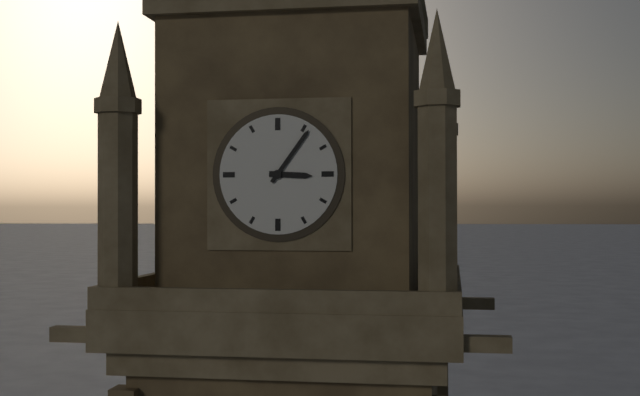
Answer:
3 h 06 min
